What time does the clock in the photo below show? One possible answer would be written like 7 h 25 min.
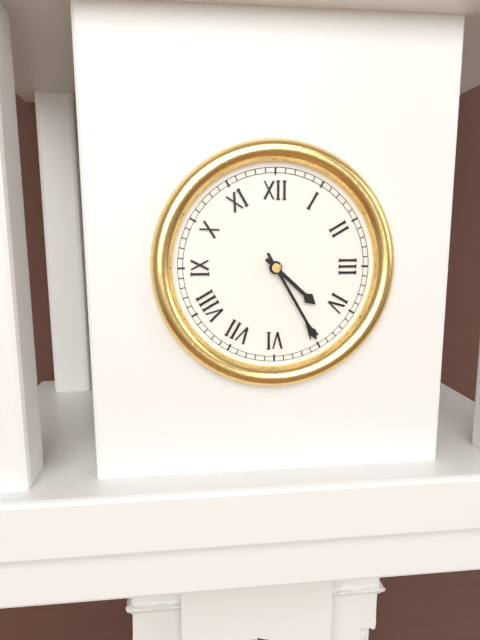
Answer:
4 h 25 min
